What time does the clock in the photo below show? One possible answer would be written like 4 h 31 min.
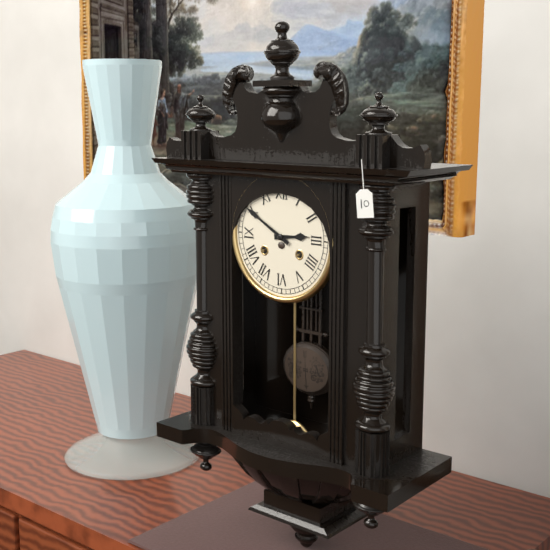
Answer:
2 h 50 min
